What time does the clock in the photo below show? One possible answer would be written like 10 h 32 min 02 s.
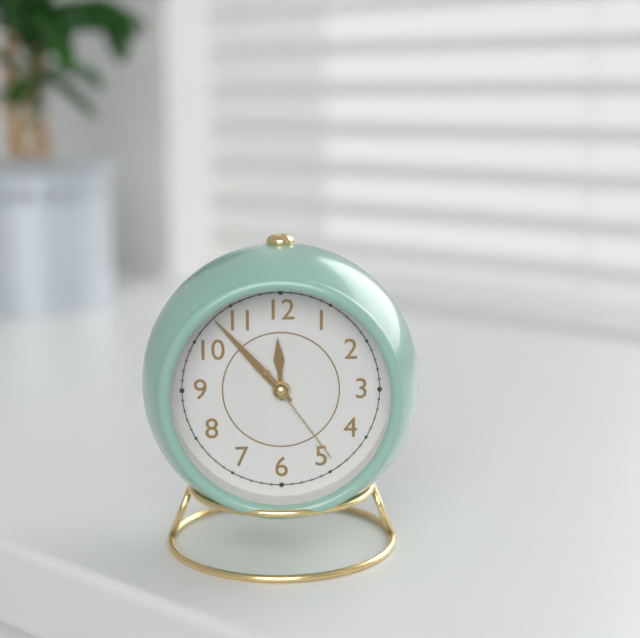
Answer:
11 h 53 min 24 s
